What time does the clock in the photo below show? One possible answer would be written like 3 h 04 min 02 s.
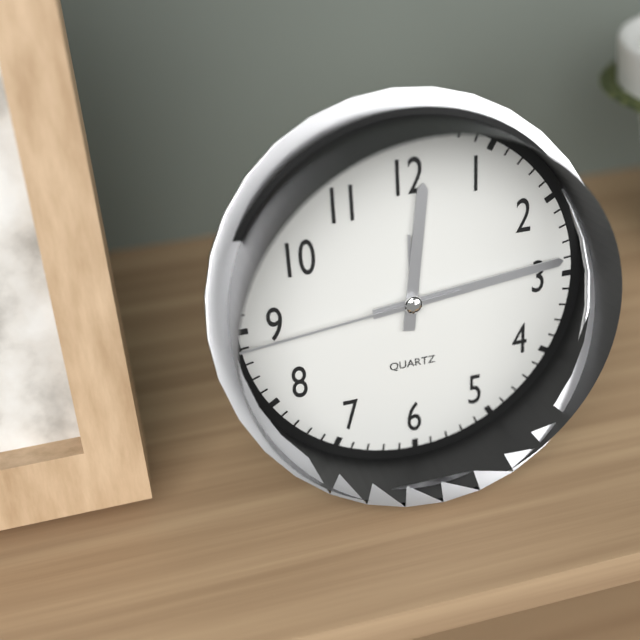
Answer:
12 h 14 min 44 s
